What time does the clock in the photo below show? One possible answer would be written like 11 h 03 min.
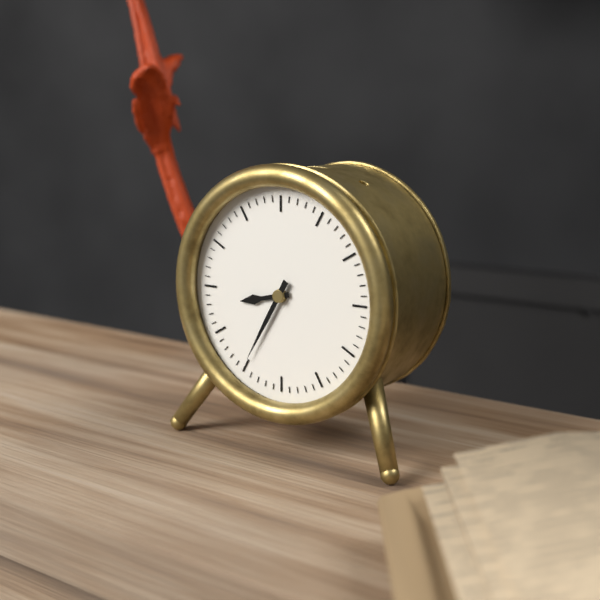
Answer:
8 h 35 min
